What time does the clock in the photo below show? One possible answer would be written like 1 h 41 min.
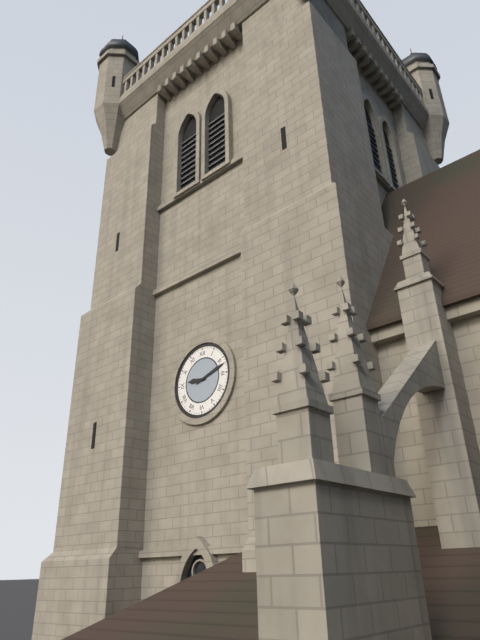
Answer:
9 h 12 min
